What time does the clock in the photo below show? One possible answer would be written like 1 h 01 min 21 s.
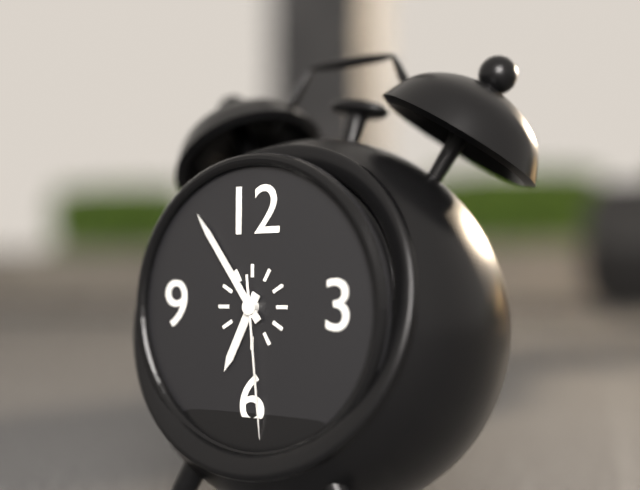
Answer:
6 h 54 min 29 s
